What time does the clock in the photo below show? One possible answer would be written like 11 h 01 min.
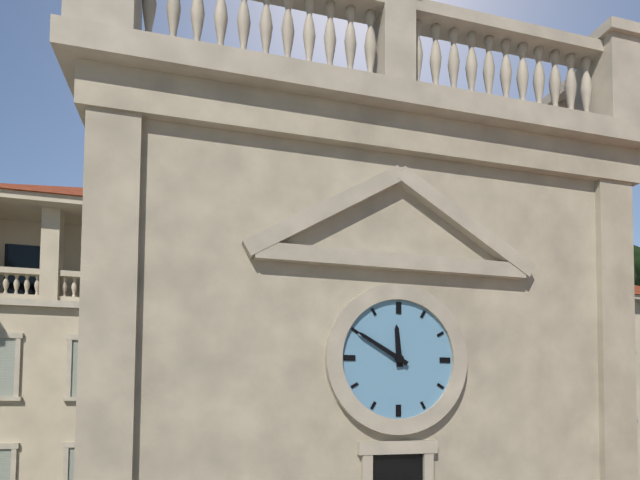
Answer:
11 h 50 min
